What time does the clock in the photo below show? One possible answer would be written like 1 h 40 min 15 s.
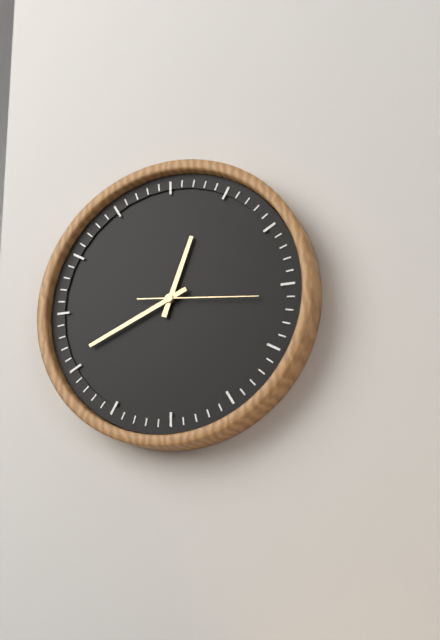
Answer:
12 h 41 min 16 s
